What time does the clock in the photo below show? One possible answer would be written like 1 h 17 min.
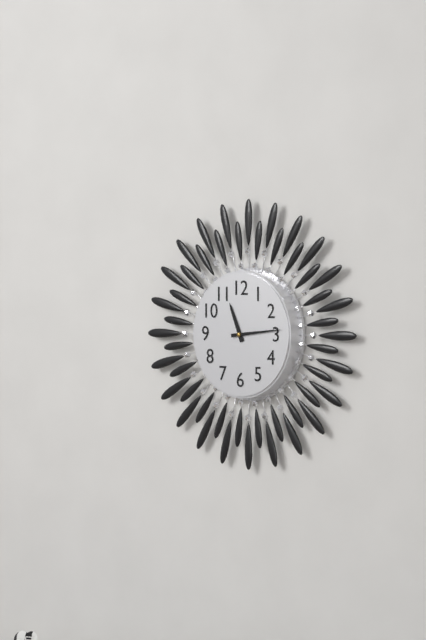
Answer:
11 h 14 min
